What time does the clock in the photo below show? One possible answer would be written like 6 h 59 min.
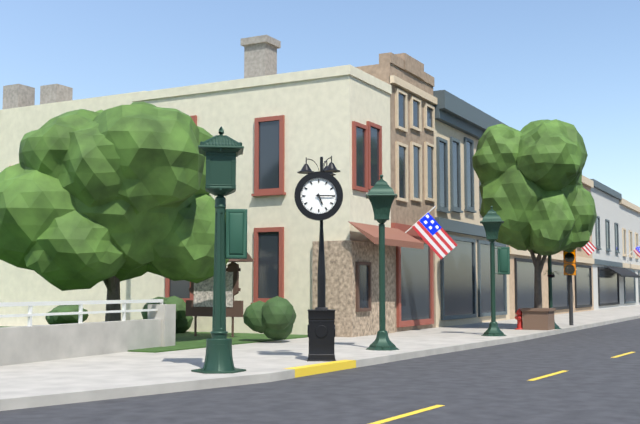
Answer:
5 h 15 min
